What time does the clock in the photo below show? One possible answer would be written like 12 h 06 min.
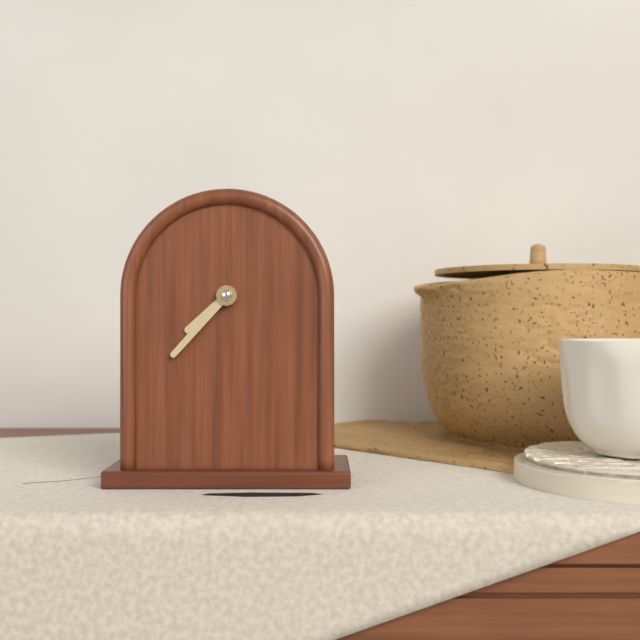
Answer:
7 h 37 min
